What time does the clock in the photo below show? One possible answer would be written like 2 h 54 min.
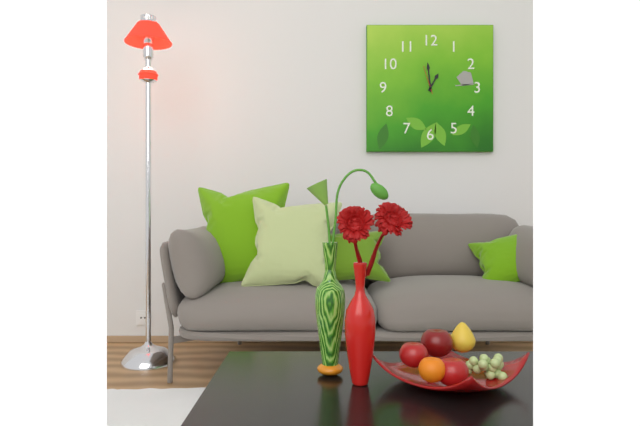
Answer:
12 h 59 min
